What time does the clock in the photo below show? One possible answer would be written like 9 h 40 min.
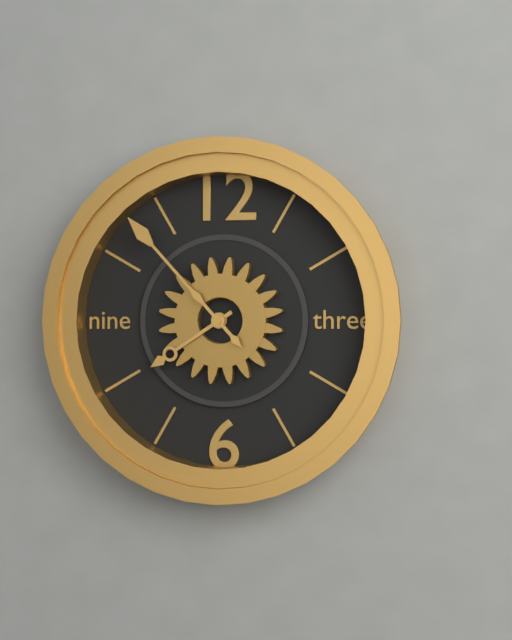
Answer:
7 h 53 min
